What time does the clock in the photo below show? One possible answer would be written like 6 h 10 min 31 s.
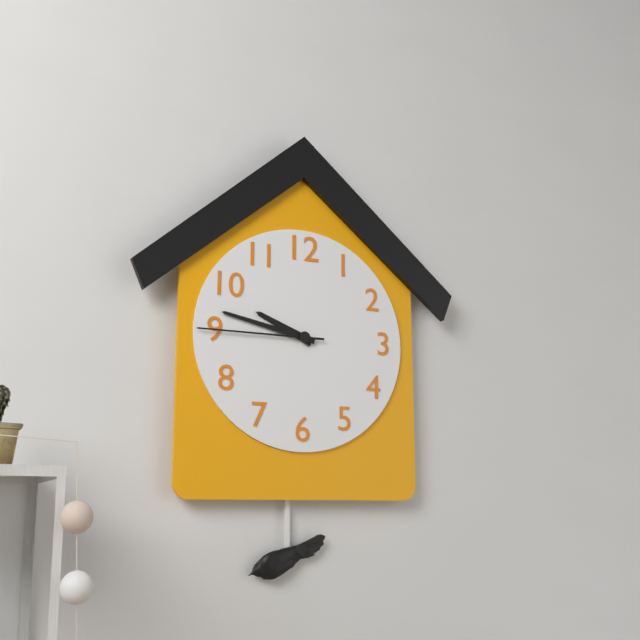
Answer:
9 h 47 min 45 s
